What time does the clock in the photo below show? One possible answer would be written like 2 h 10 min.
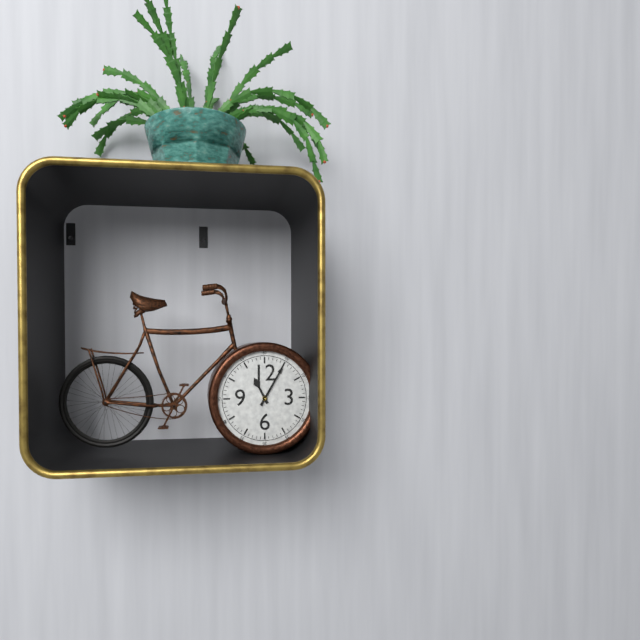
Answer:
11 h 05 min
